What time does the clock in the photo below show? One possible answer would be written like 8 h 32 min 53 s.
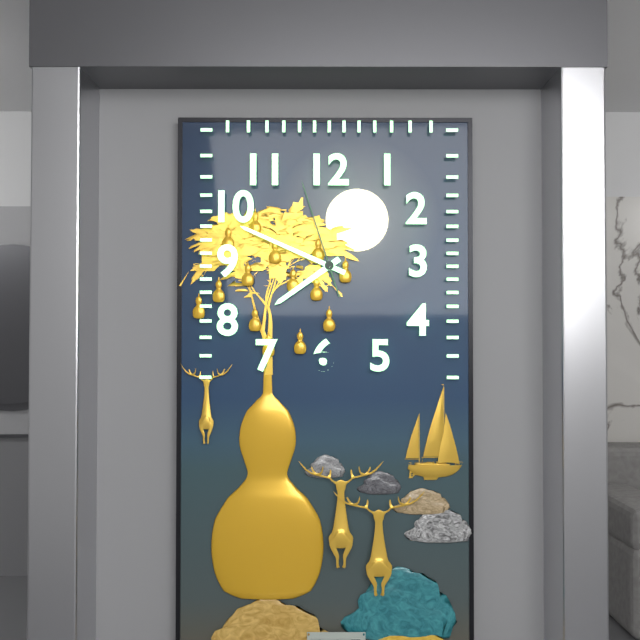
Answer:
7 h 49 min 57 s
